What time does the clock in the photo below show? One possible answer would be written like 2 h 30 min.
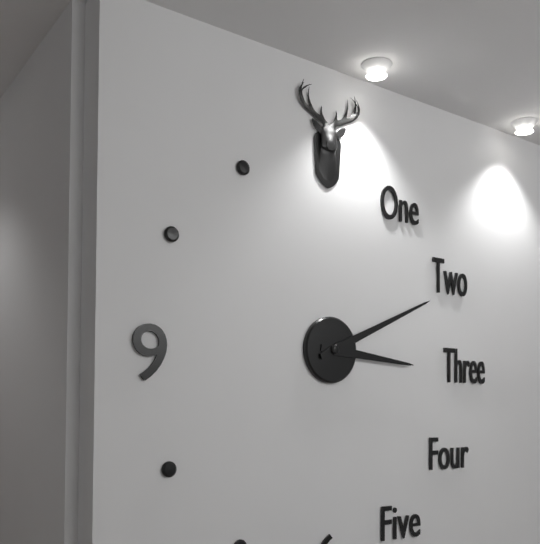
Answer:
3 h 11 min
